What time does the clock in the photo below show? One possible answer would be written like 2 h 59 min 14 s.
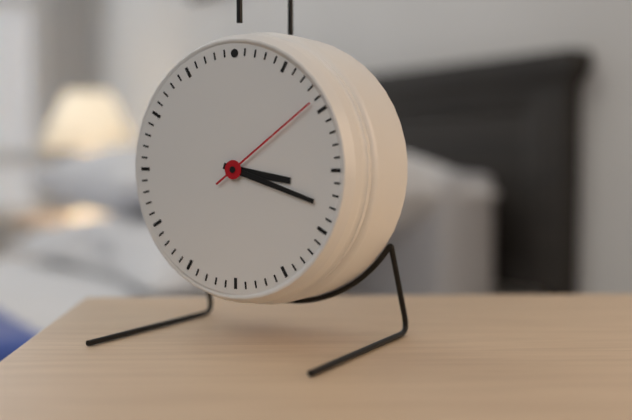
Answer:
3 h 18 min 09 s
